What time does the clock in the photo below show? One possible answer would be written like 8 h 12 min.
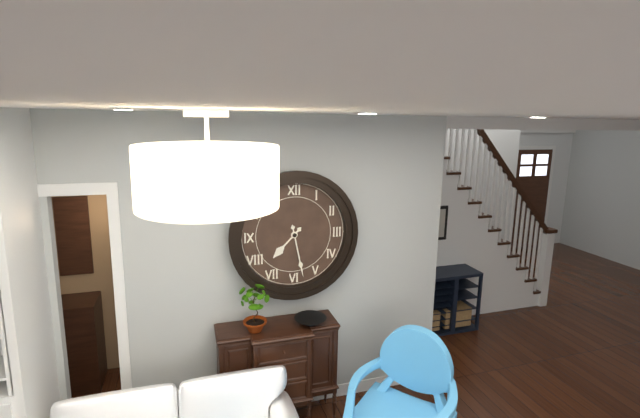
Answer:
7 h 28 min
